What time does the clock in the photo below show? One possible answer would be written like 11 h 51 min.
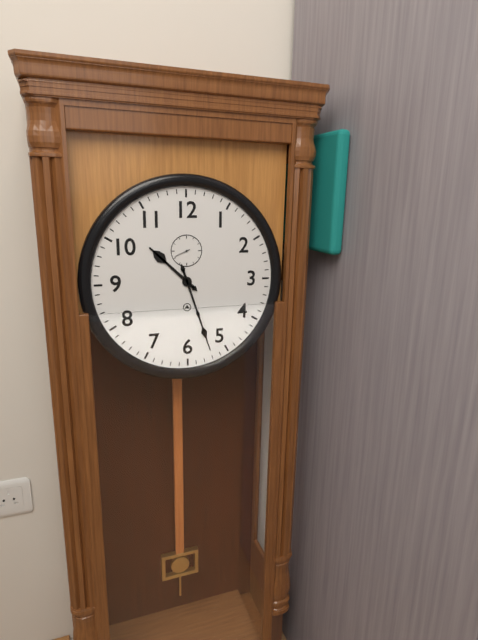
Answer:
10 h 27 min
